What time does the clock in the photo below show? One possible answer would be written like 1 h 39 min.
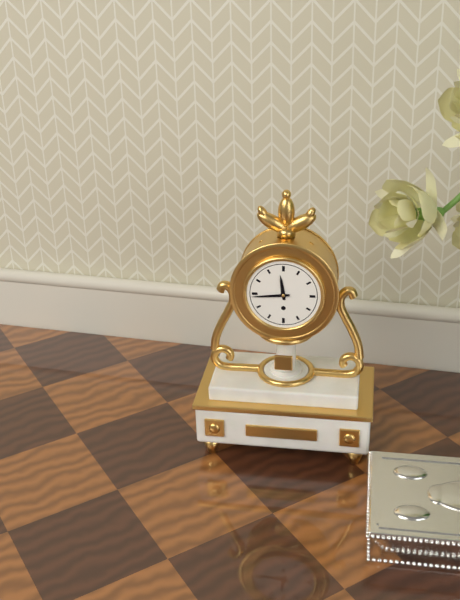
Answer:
11 h 44 min
